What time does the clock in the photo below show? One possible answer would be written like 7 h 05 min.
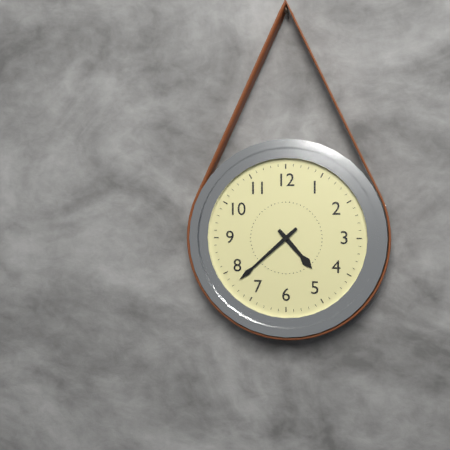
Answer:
4 h 38 min
